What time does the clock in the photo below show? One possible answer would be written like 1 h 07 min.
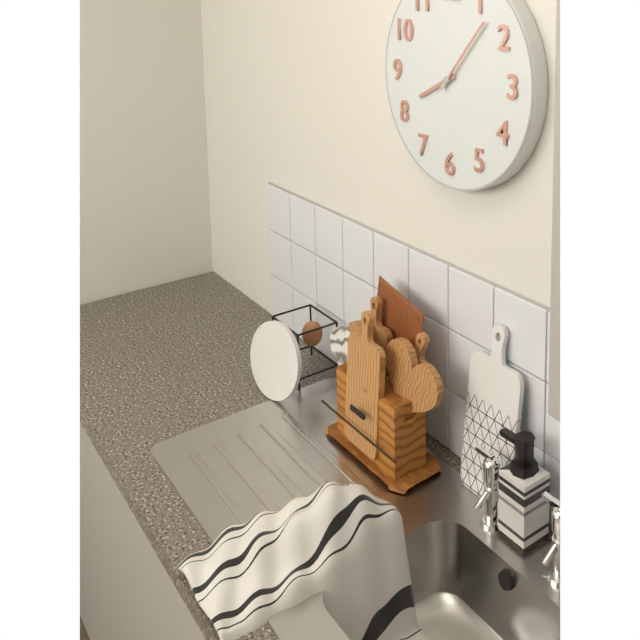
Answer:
8 h 07 min
